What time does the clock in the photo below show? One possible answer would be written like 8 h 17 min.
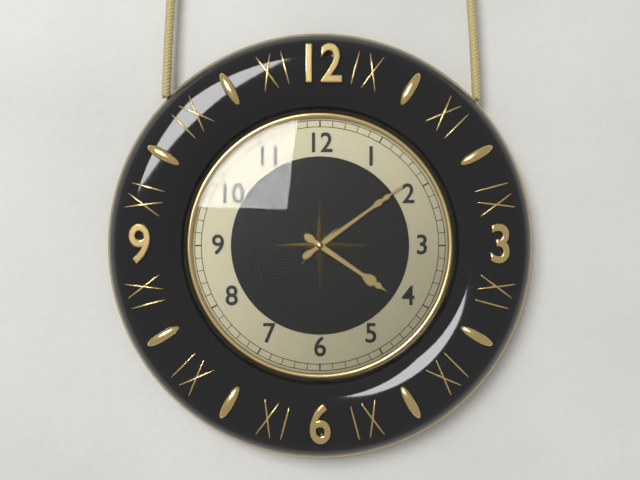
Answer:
4 h 09 min
